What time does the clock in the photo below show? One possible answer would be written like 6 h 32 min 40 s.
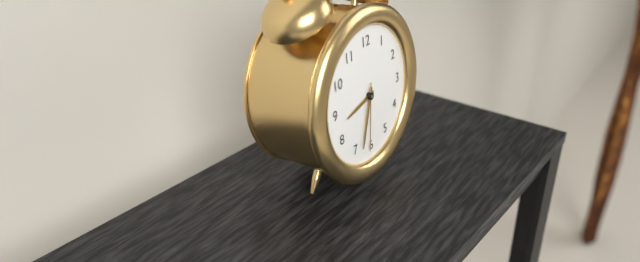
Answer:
8 h 33 min 31 s
